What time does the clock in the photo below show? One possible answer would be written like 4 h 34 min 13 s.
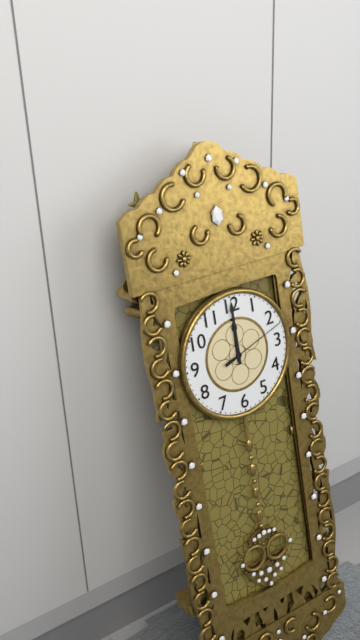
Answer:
12 h 00 min 12 s
